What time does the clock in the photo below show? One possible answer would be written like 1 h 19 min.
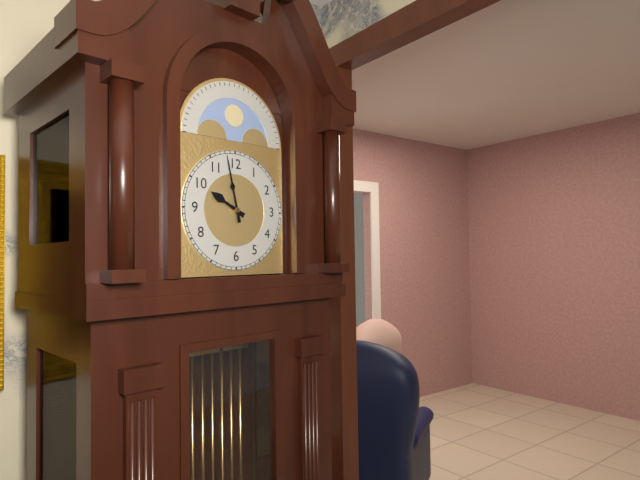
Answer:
9 h 58 min
